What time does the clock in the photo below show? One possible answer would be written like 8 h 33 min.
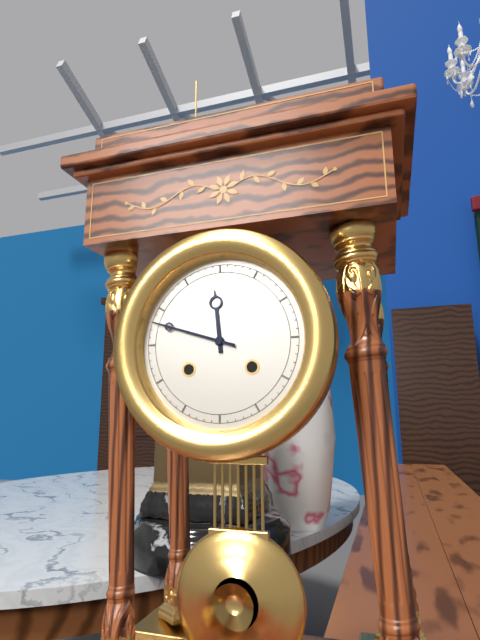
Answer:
11 h 48 min
